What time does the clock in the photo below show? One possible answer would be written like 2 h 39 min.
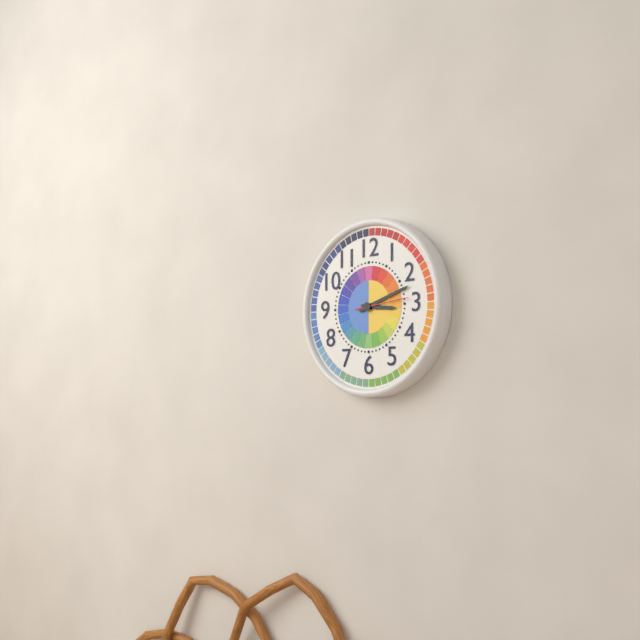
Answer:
3 h 12 min
